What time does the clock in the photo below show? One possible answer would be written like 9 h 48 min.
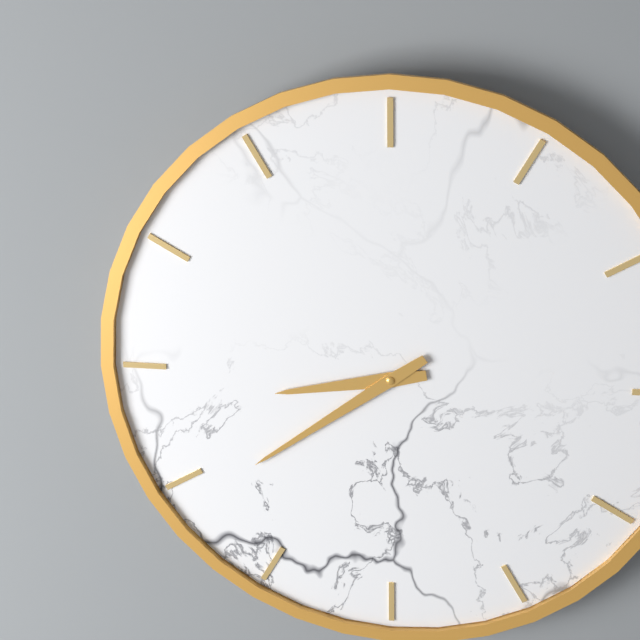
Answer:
8 h 39 min
